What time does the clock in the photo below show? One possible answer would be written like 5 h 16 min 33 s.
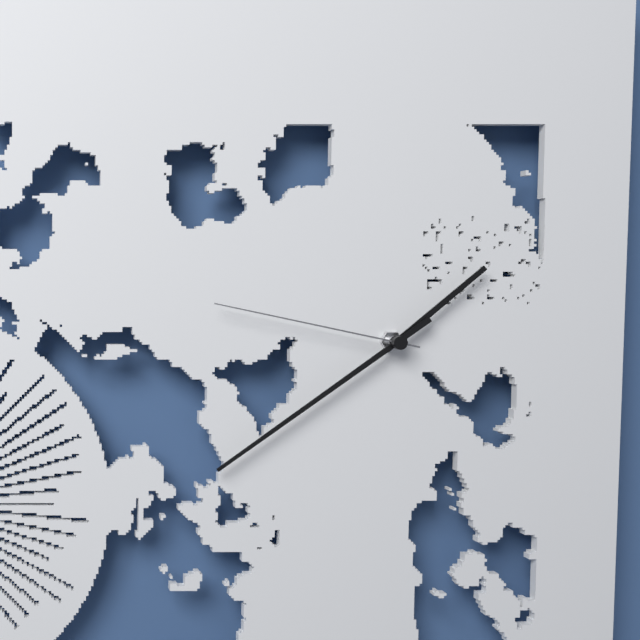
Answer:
1 h 39 min 47 s
